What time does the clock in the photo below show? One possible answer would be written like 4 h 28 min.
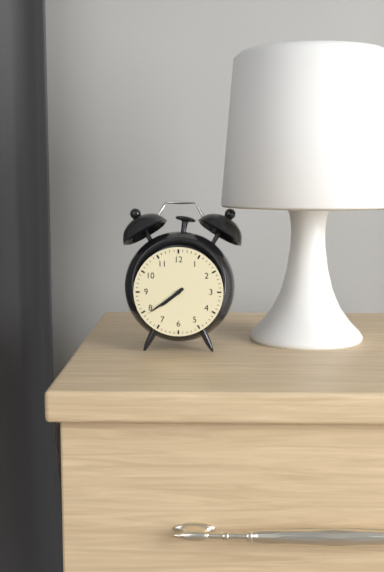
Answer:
7 h 39 min
